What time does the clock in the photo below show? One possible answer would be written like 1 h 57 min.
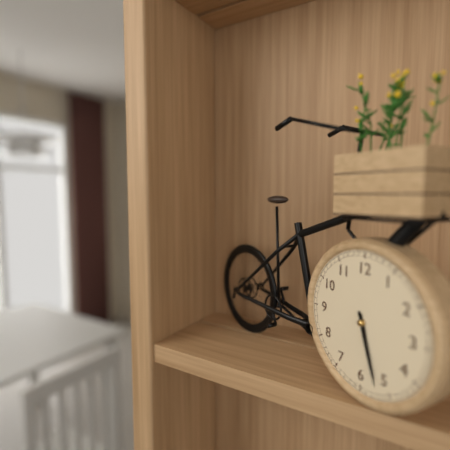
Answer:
5 h 27 min
